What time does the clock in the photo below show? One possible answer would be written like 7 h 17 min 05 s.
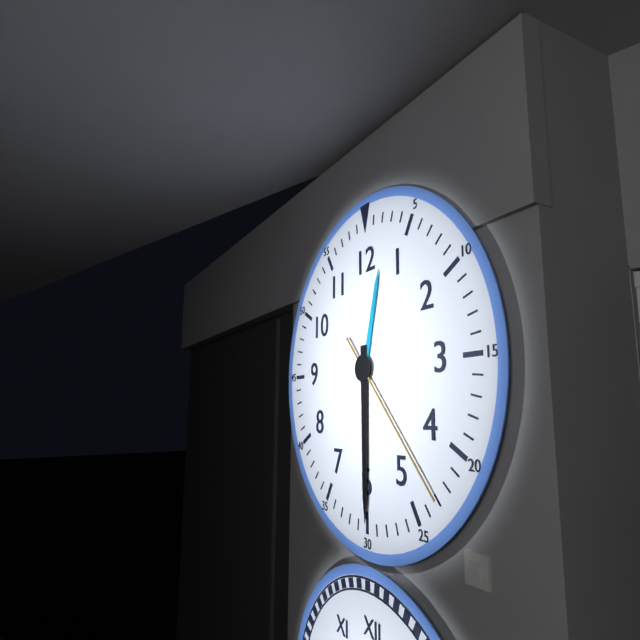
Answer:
12 h 30 min 23 s
